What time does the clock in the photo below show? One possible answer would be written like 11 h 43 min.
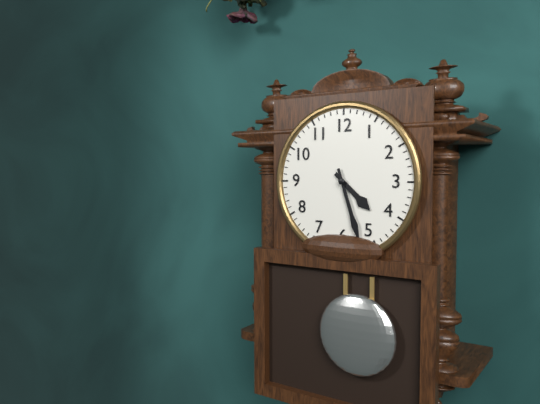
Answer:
4 h 27 min
